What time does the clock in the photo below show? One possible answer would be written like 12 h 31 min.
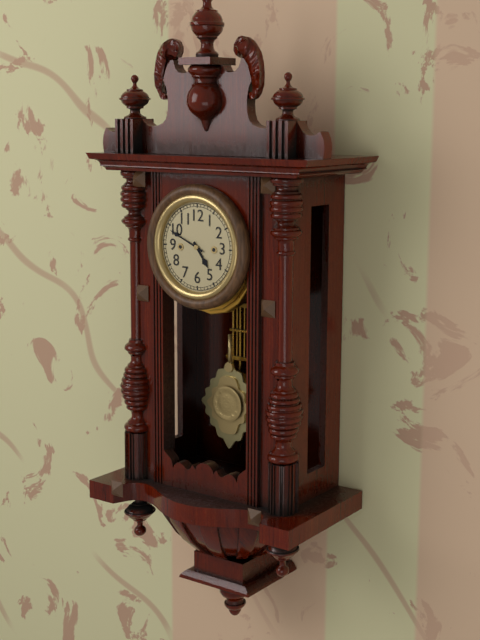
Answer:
4 h 49 min
